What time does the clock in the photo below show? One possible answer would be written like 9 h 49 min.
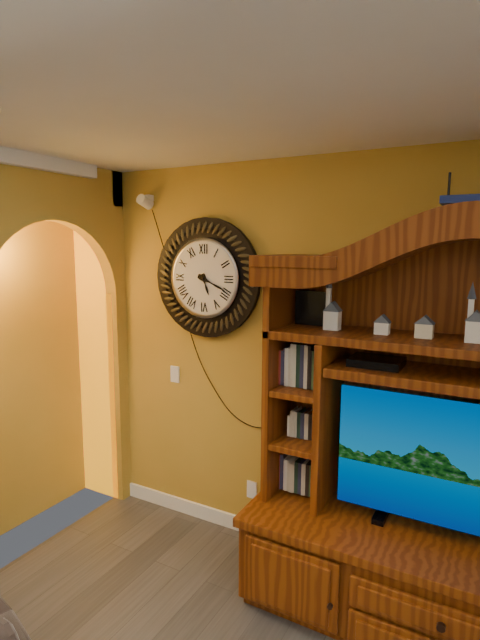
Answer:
5 h 19 min
